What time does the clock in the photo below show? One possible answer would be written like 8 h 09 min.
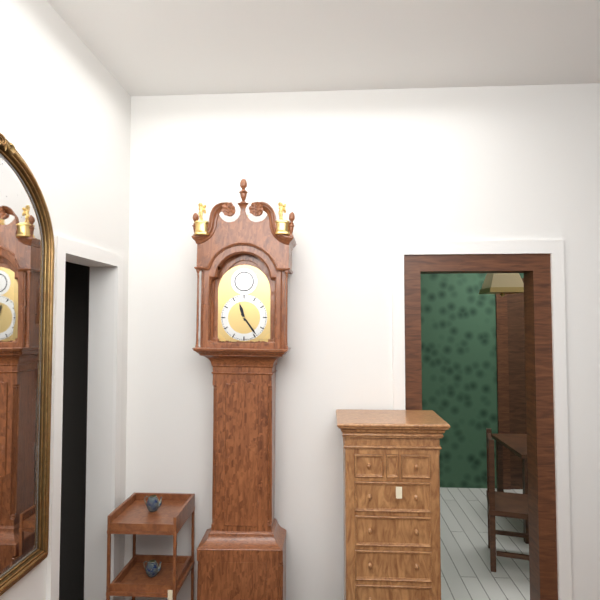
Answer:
11 h 24 min
